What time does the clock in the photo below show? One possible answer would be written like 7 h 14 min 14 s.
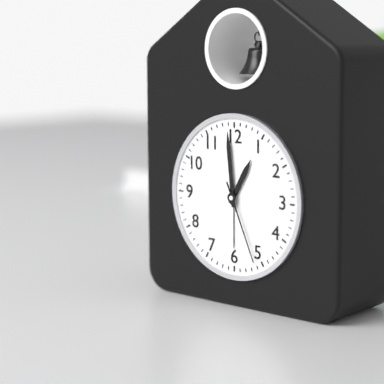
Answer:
12 h 59 min 26 s
